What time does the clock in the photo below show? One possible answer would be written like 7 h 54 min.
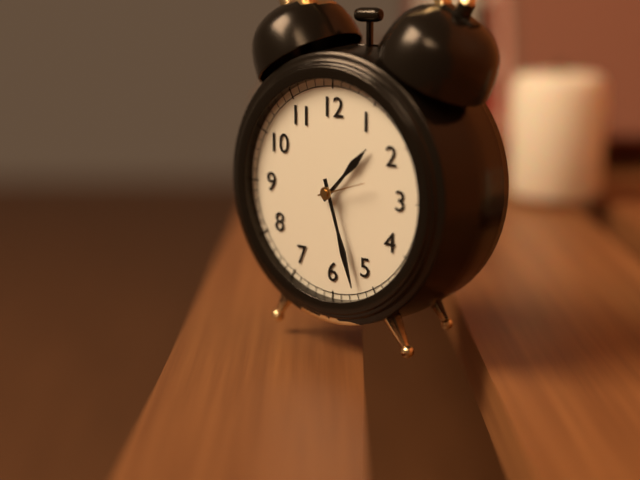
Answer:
1 h 27 min
